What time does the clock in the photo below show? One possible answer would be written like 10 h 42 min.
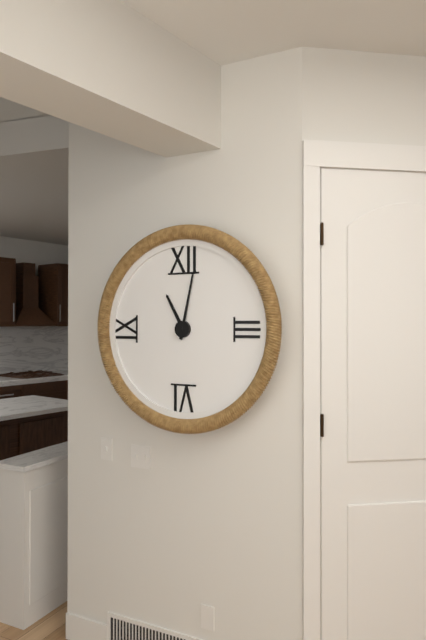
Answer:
11 h 02 min
